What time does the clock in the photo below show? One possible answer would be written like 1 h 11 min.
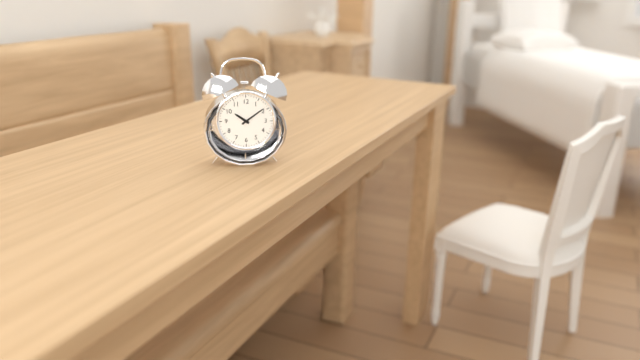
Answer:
10 h 09 min
